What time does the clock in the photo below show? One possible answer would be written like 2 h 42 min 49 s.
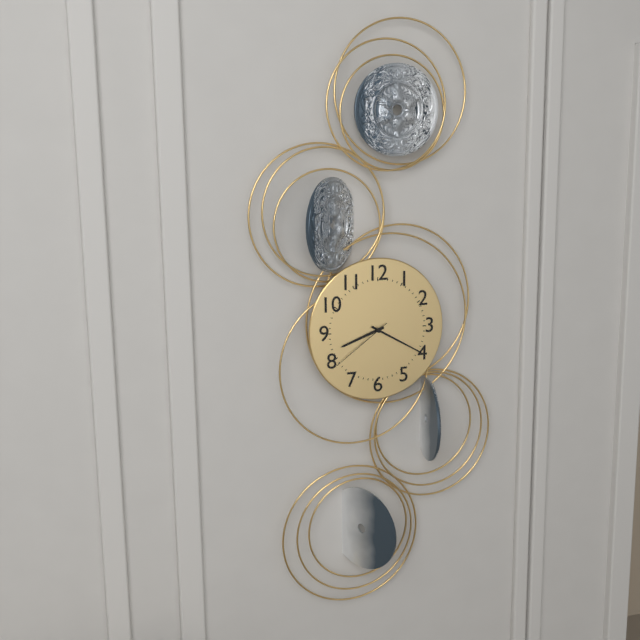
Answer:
8 h 20 min 39 s
